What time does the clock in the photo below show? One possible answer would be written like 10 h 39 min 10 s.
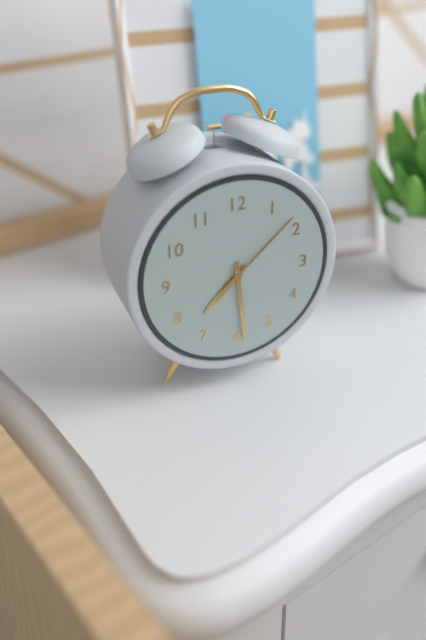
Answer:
7 h 29 min 08 s
